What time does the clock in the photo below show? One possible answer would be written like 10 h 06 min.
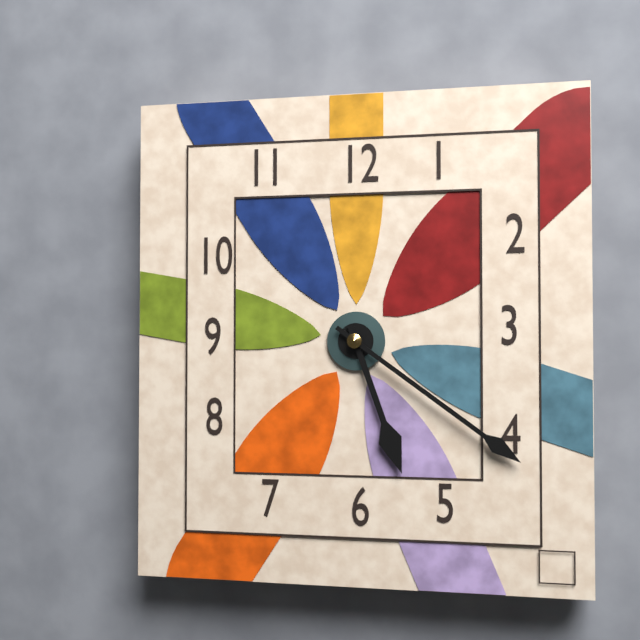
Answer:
5 h 21 min
